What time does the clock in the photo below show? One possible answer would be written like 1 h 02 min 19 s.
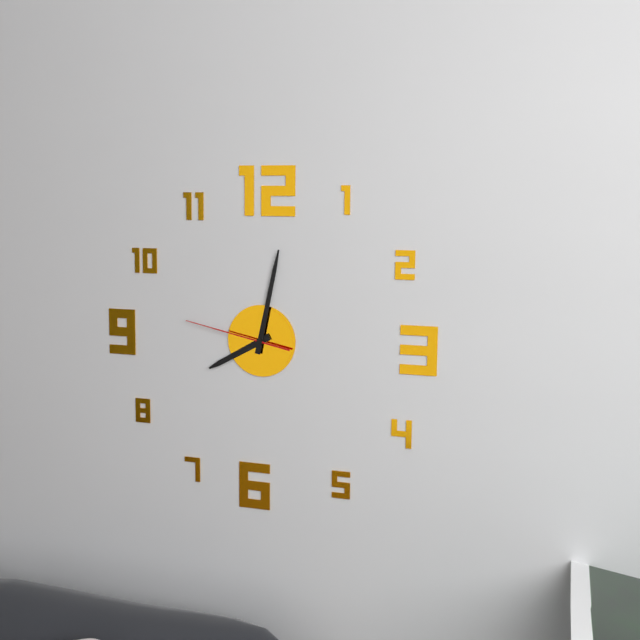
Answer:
8 h 02 min 47 s
